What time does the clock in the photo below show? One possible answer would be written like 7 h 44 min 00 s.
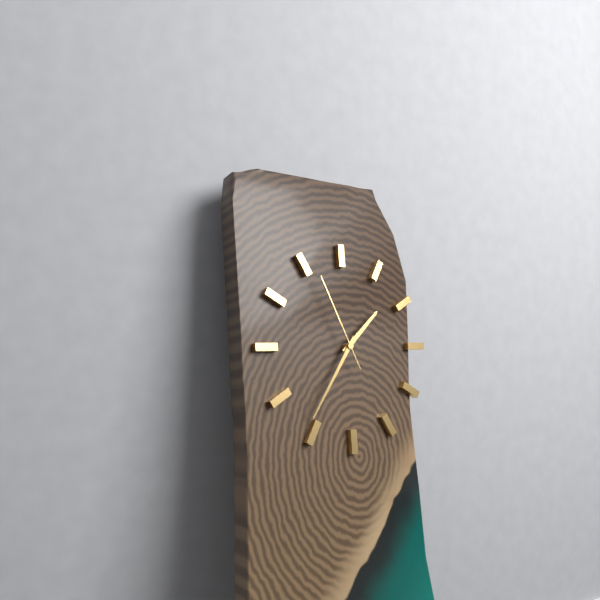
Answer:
1 h 36 min 56 s
